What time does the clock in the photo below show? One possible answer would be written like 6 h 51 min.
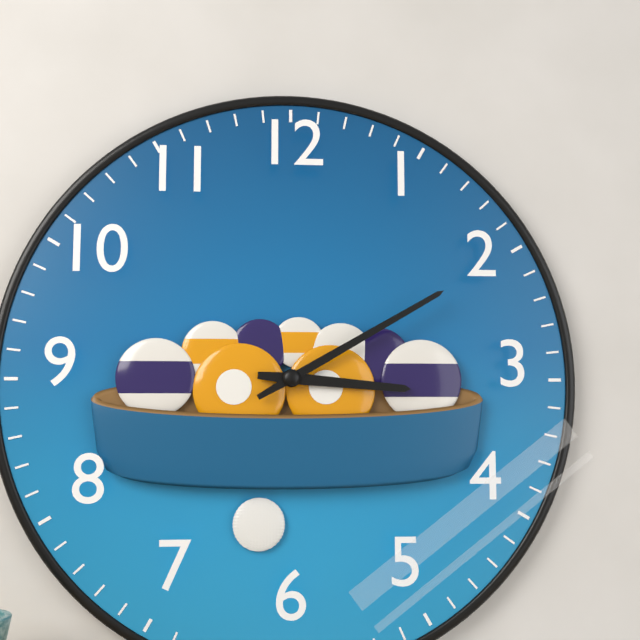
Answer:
3 h 10 min
